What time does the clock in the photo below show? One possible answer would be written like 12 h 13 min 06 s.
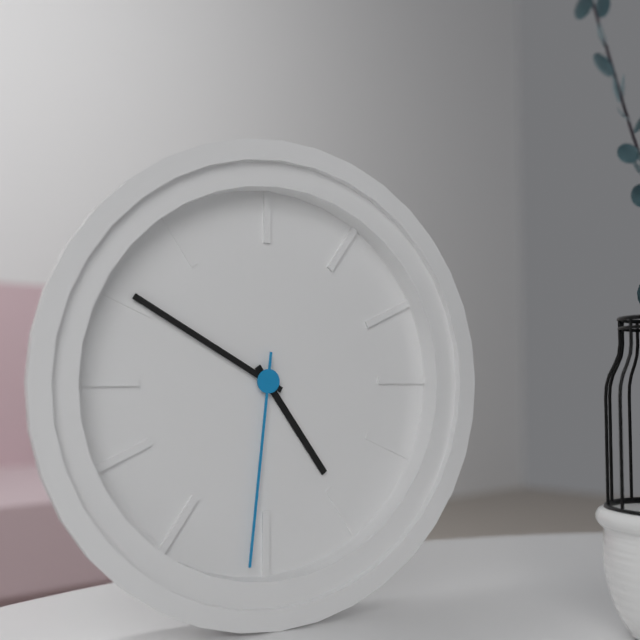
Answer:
4 h 50 min 31 s
